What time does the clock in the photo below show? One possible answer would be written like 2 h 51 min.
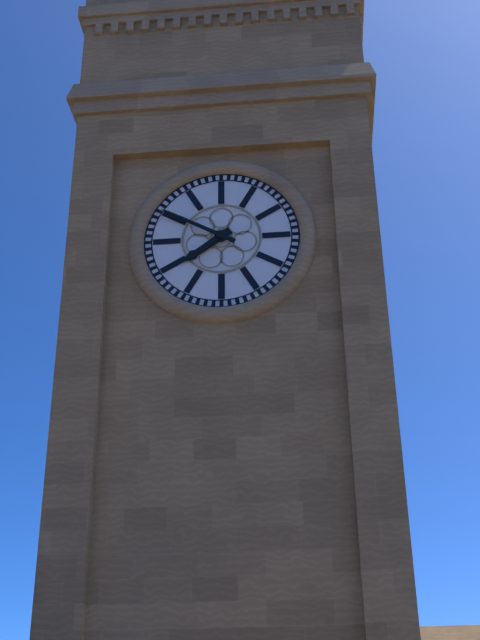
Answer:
7 h 50 min
